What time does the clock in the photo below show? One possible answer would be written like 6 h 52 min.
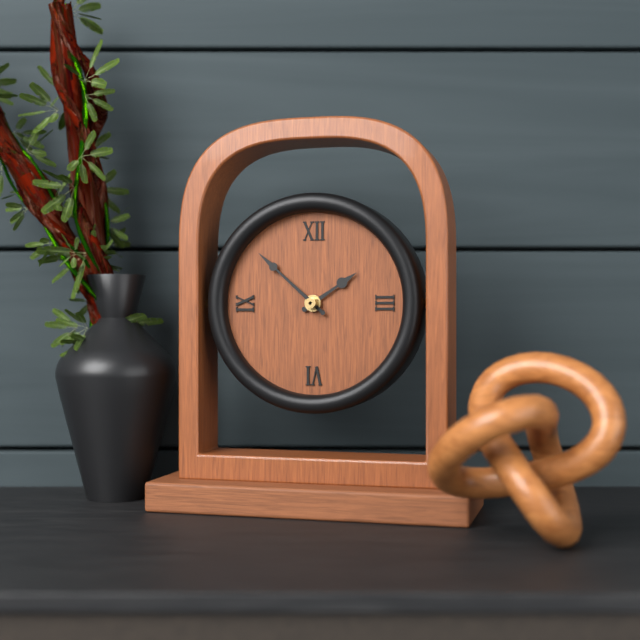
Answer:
1 h 52 min
